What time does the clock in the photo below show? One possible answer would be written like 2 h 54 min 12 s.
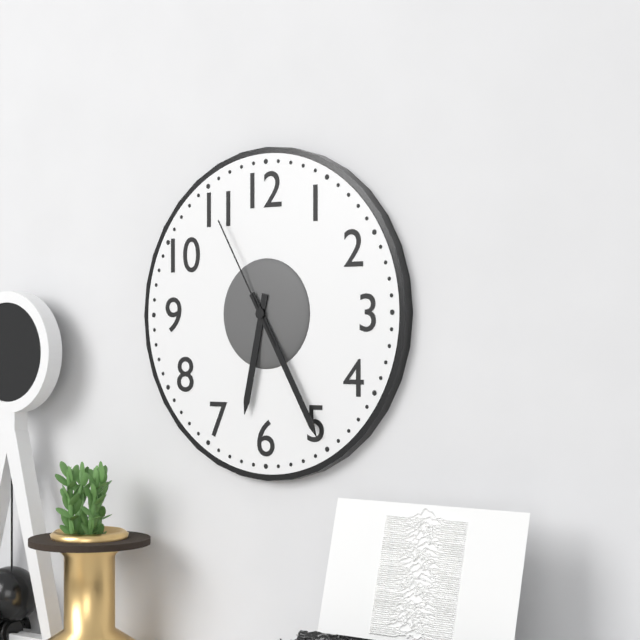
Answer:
6 h 25 min 55 s
